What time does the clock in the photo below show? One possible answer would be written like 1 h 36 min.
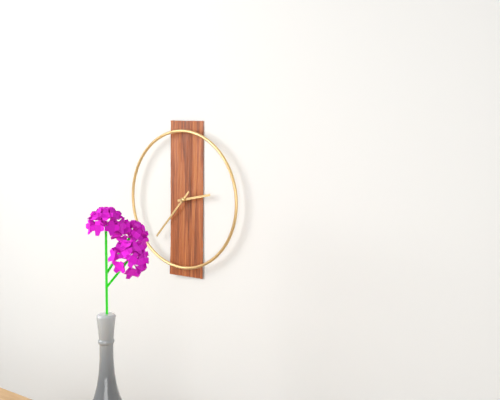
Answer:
2 h 37 min
